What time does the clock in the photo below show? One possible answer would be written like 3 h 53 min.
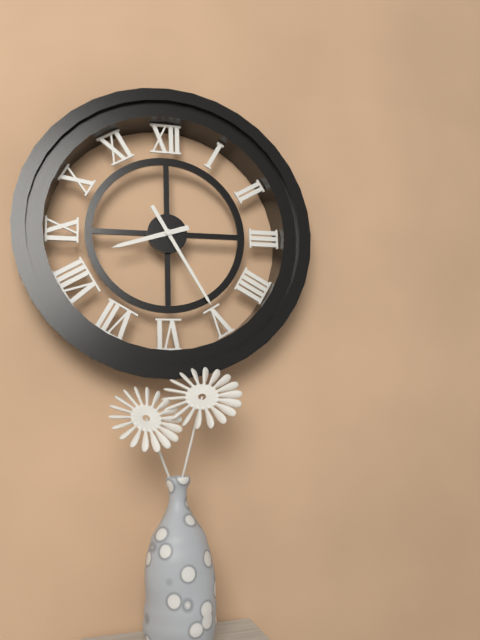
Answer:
8 h 25 min
